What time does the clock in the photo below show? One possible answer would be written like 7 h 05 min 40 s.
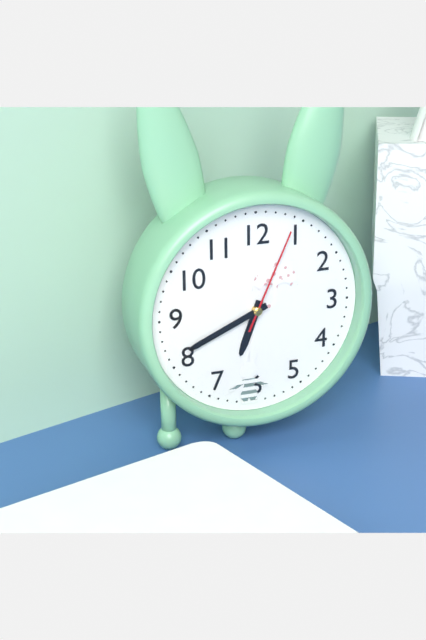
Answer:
6 h 41 min 04 s
